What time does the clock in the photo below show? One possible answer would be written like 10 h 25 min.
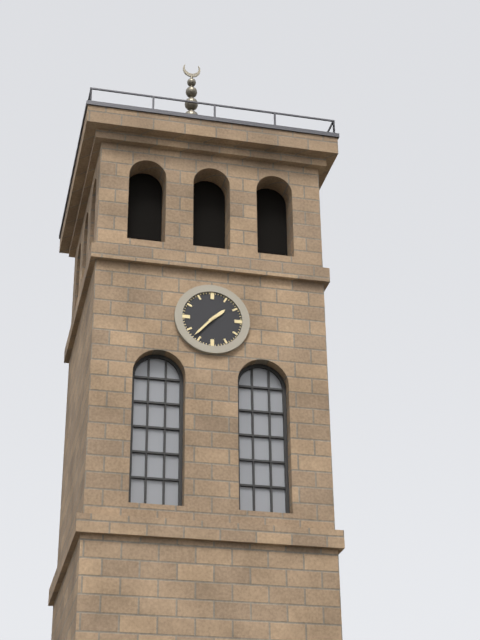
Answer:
1 h 37 min
